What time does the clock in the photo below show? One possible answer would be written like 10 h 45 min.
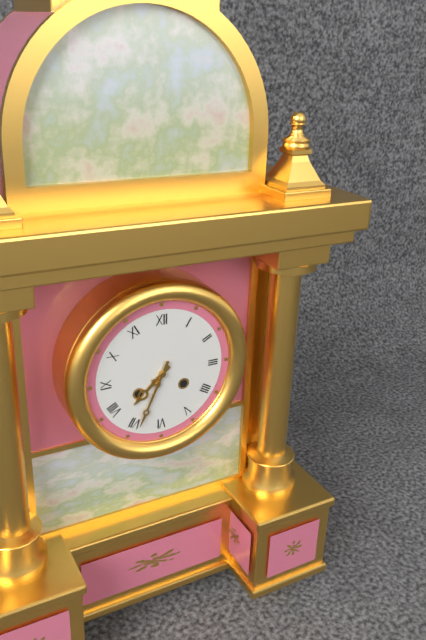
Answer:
7 h 34 min
